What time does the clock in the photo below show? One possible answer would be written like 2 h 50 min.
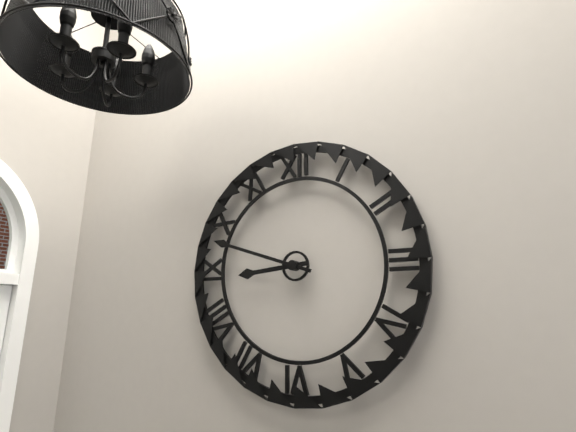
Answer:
8 h 48 min
